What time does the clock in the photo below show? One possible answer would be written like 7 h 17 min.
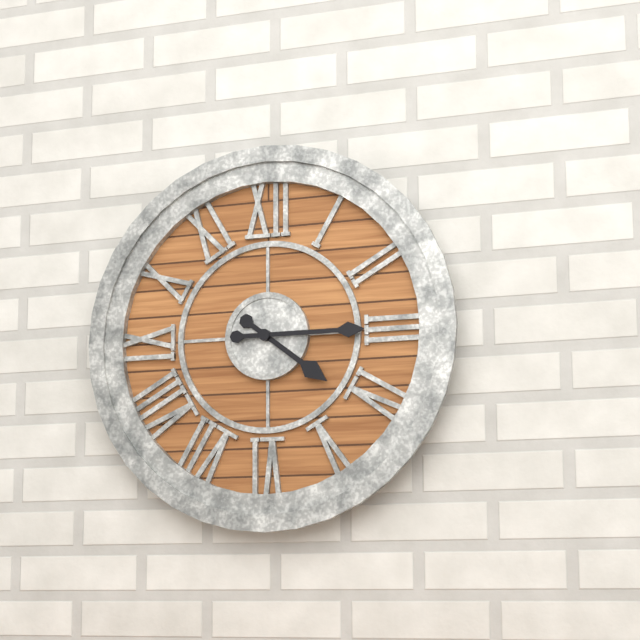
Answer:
4 h 15 min
